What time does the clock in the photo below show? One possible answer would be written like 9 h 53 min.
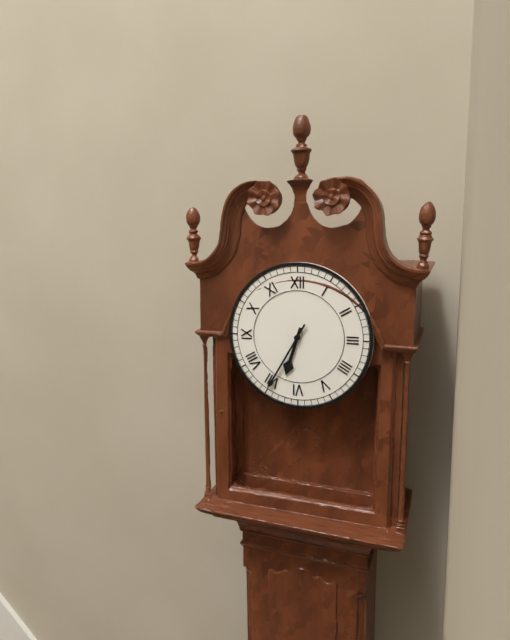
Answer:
6 h 35 min
